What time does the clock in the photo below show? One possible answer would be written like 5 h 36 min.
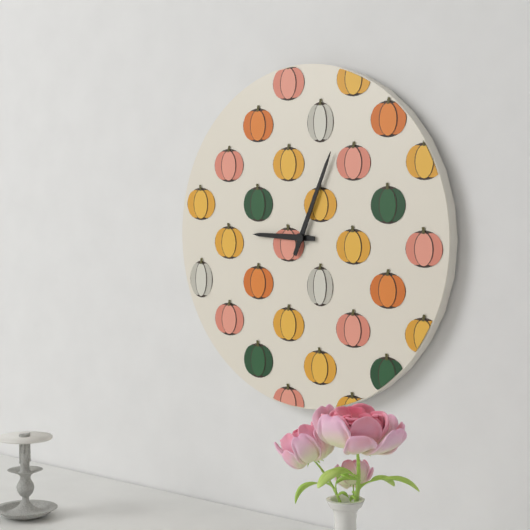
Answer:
9 h 04 min
